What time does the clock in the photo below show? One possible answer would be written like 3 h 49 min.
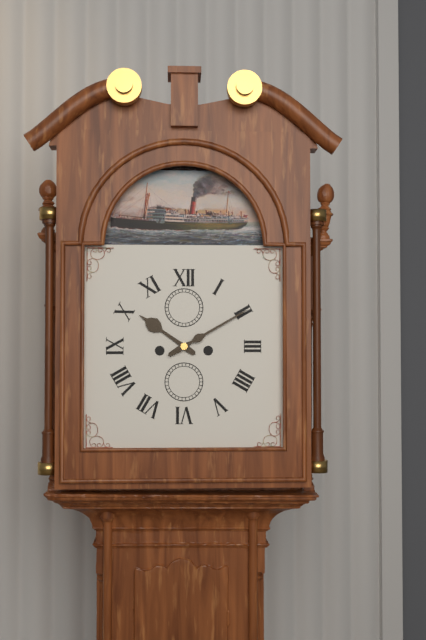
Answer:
10 h 10 min
